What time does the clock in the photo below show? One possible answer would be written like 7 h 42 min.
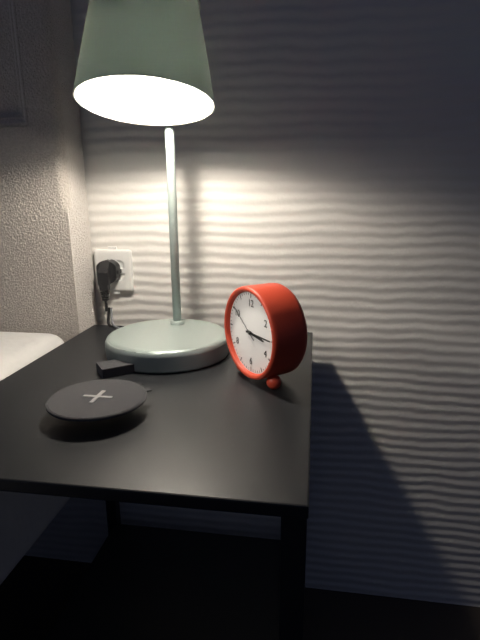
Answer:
3 h 15 min
